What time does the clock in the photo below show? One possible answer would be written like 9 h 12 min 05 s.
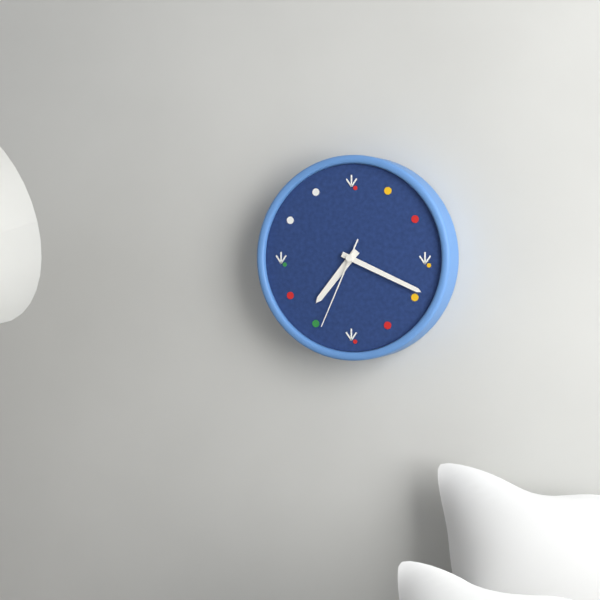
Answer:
7 h 19 min 34 s
